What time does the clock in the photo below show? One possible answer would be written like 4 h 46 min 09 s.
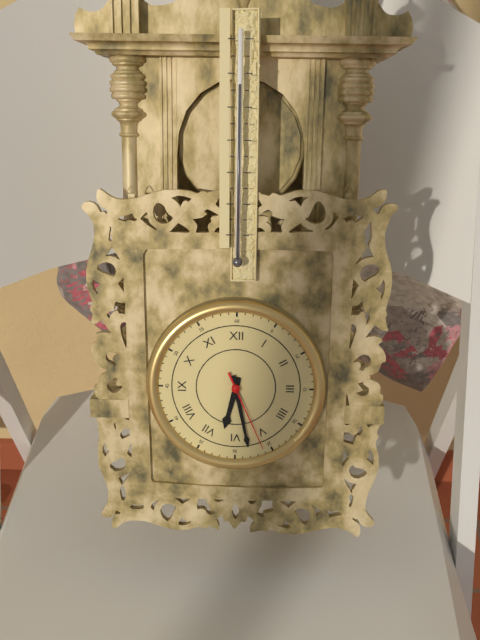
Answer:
6 h 28 min 26 s
